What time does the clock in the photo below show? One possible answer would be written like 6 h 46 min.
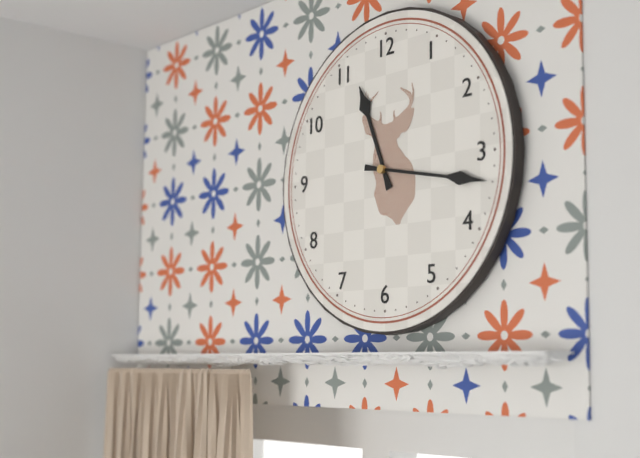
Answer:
11 h 17 min
